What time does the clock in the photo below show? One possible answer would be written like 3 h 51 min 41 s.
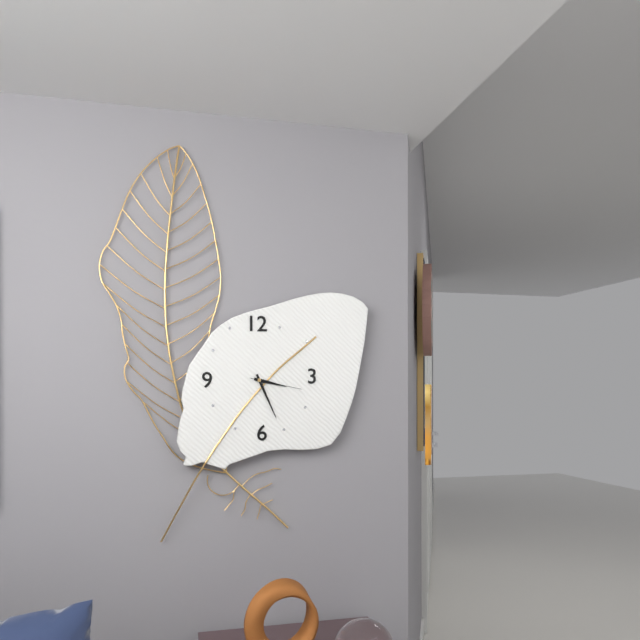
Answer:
3 h 26 min 17 s
